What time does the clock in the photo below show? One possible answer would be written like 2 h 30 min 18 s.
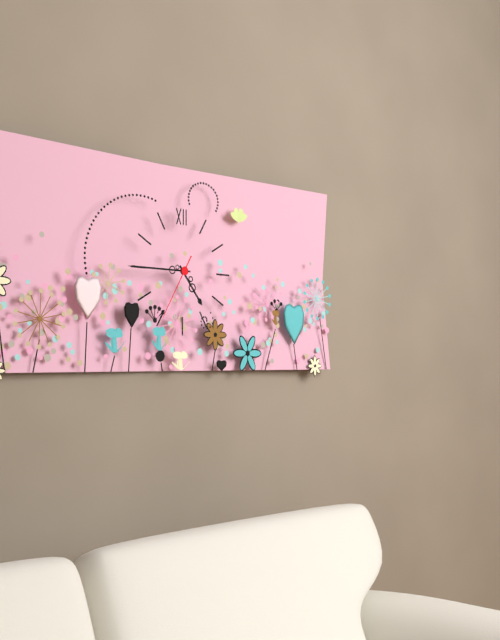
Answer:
4 h 45 min 35 s
